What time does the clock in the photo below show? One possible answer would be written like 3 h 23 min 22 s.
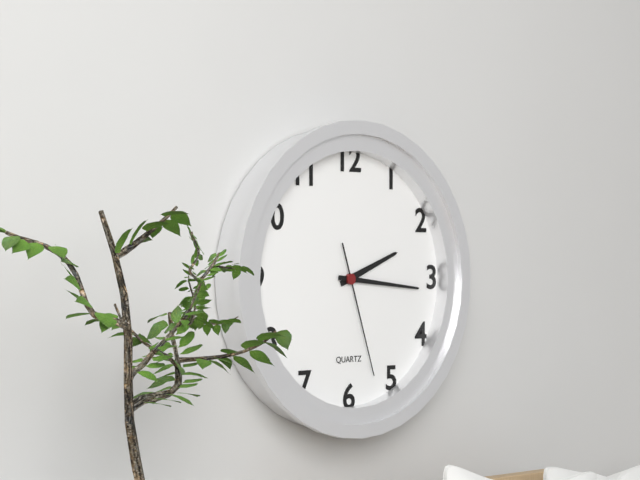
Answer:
2 h 16 min 27 s
